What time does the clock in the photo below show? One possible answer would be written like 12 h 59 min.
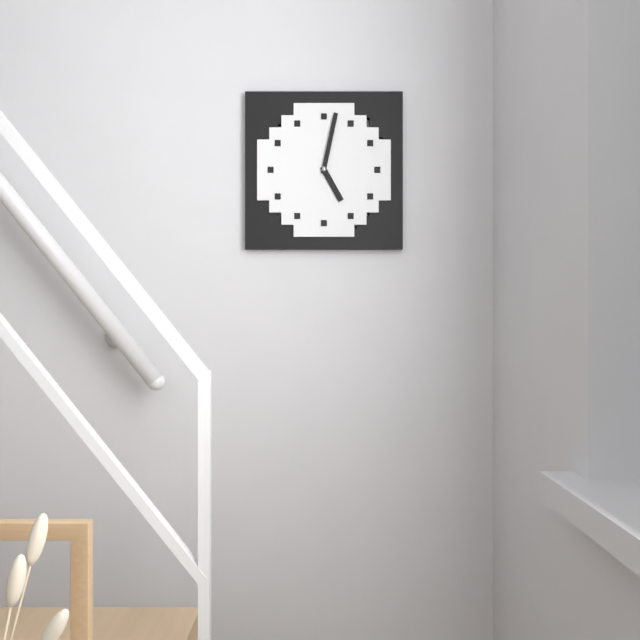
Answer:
5 h 02 min
